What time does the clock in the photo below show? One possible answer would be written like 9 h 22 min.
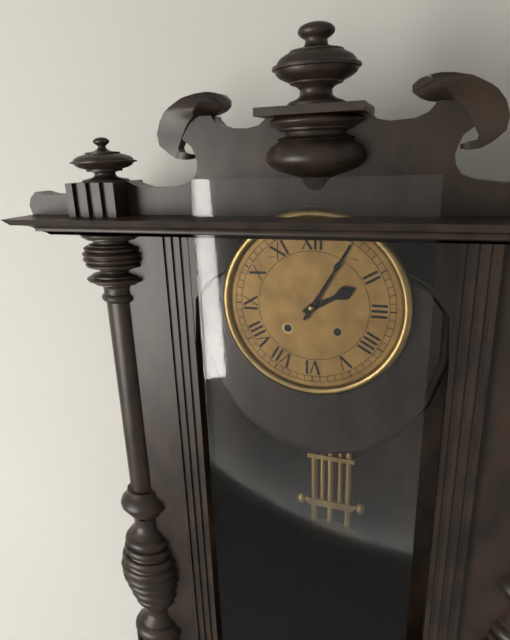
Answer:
2 h 05 min
